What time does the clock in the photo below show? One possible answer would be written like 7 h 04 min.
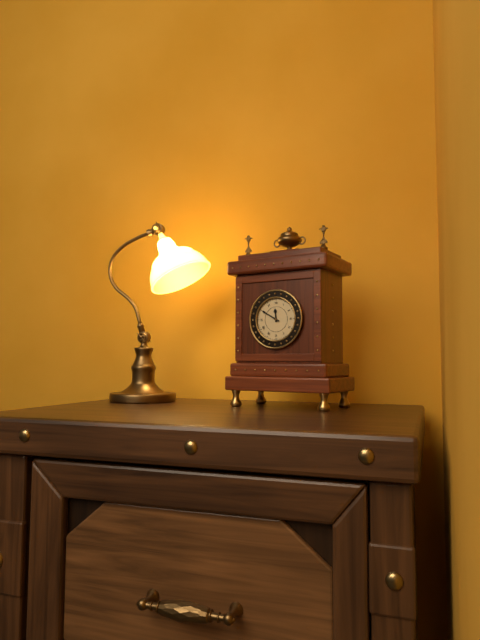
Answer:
11 h 50 min
